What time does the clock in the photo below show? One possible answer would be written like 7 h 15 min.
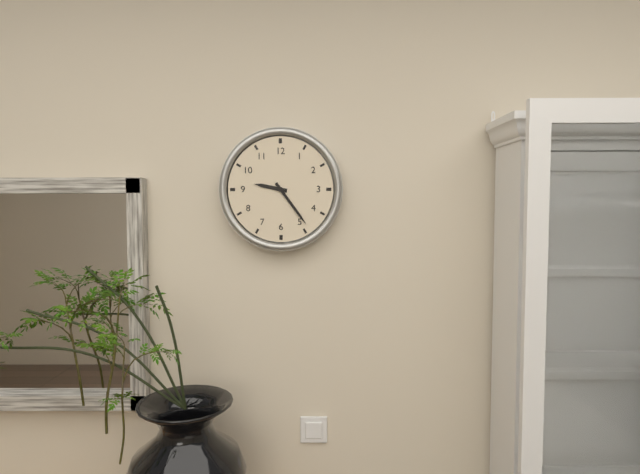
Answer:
9 h 24 min
